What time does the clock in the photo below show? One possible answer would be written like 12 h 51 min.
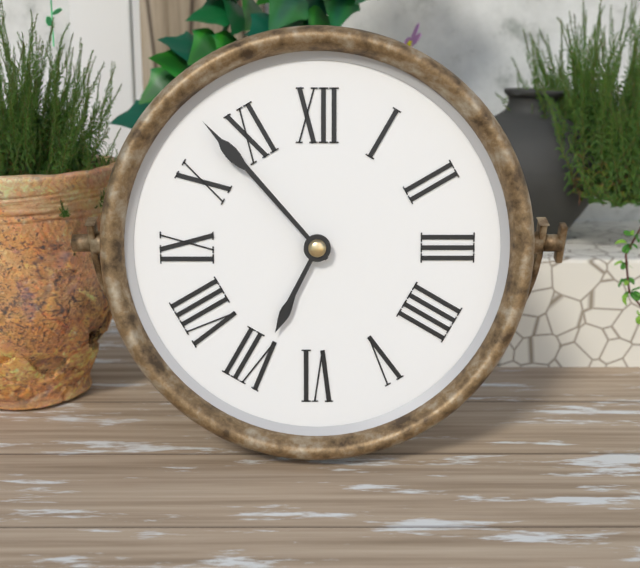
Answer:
6 h 53 min
